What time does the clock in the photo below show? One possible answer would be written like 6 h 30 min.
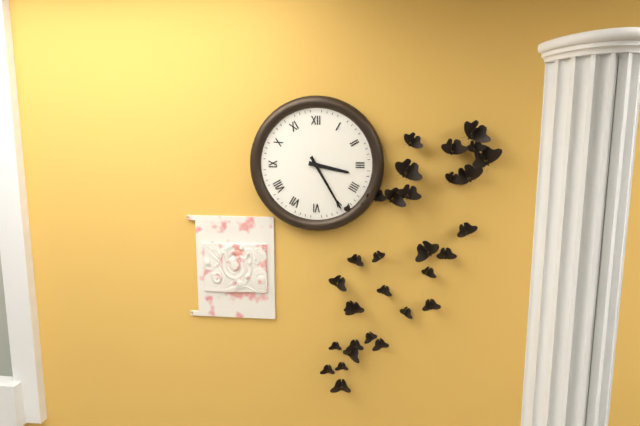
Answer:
3 h 25 min
